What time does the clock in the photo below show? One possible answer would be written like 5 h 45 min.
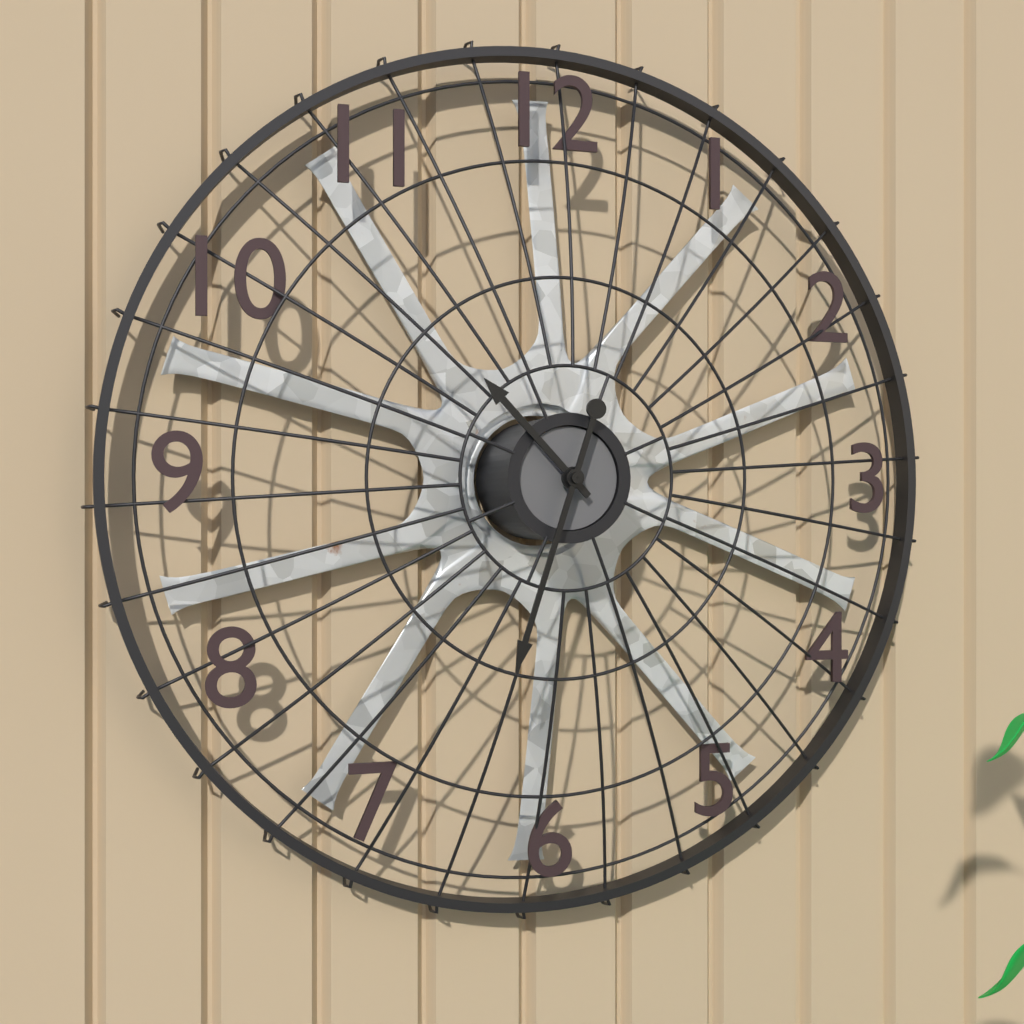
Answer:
10 h 33 min
